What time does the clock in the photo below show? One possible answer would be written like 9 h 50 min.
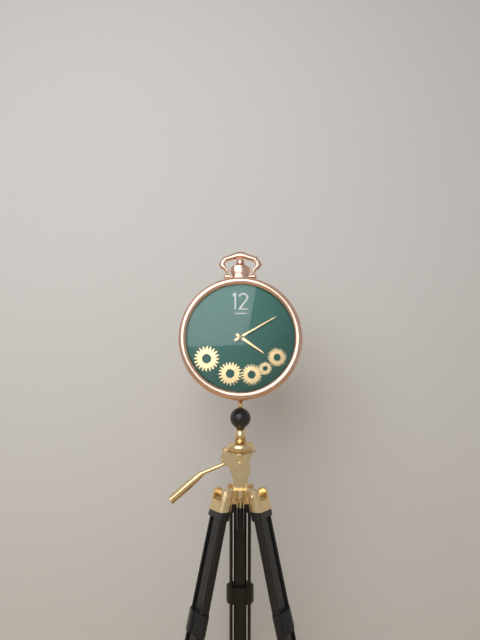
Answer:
4 h 10 min
